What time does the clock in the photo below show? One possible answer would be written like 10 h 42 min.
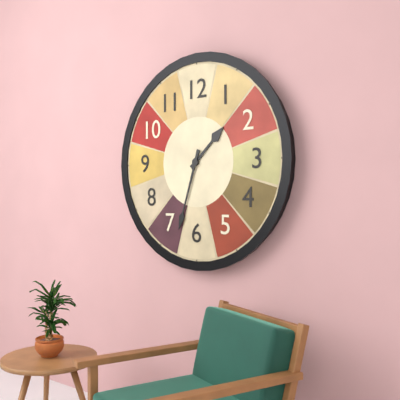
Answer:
1 h 33 min
